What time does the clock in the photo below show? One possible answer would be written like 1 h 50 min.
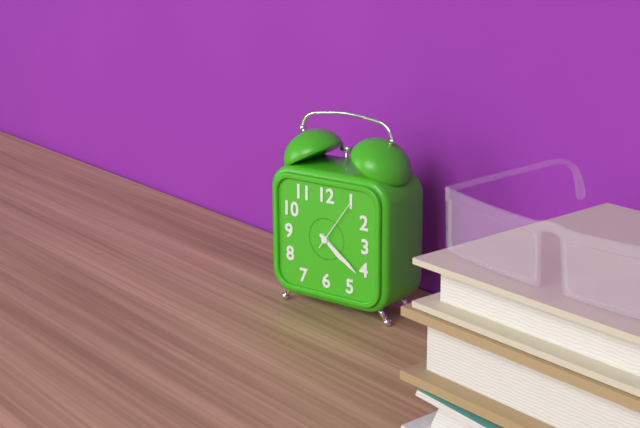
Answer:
4 h 21 min
